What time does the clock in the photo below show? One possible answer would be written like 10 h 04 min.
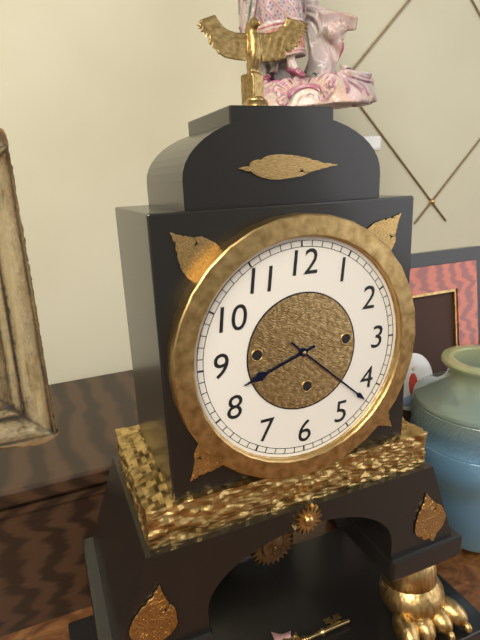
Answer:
8 h 22 min
